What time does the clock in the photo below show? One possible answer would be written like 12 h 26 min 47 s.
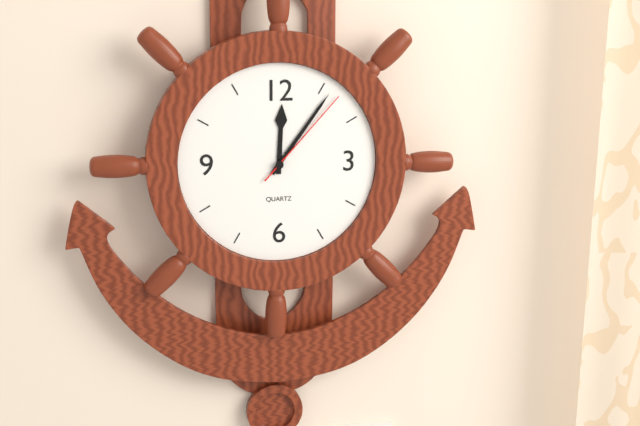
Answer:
12 h 06 min 07 s
